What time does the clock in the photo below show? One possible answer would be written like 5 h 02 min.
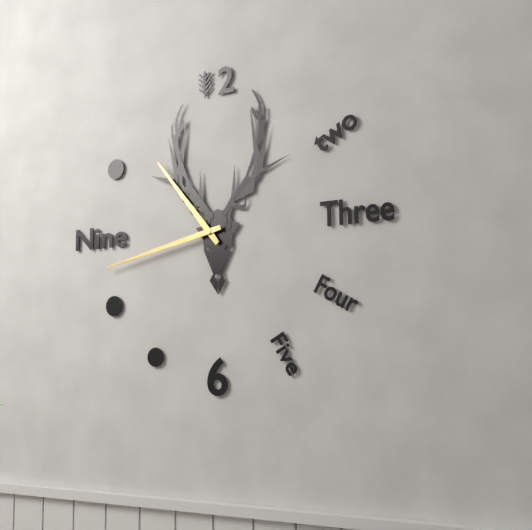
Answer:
10 h 43 min
